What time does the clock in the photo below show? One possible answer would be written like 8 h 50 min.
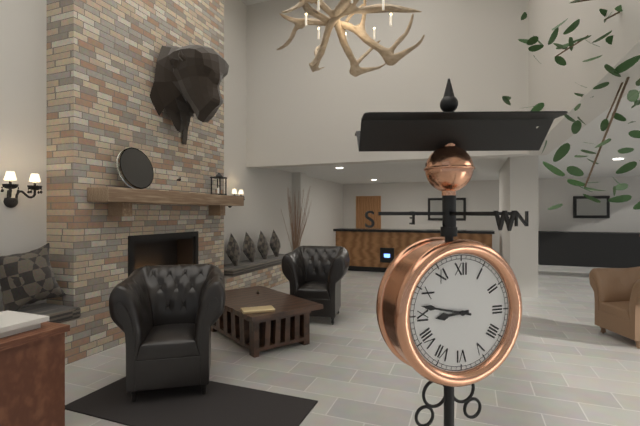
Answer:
8 h 47 min
